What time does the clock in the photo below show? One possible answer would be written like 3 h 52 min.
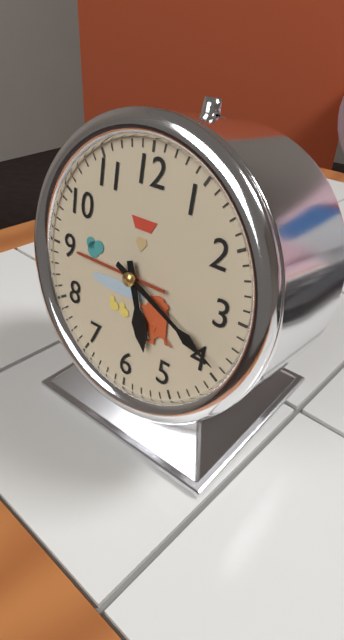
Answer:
5 h 19 min
